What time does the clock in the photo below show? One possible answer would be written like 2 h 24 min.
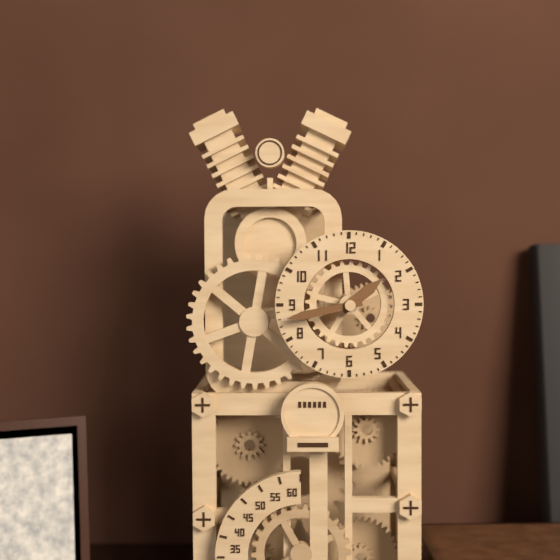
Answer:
1 h 43 min
